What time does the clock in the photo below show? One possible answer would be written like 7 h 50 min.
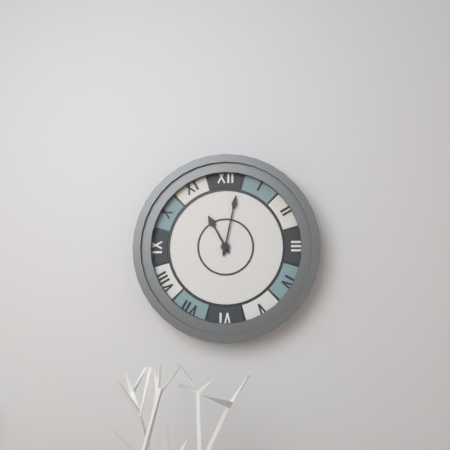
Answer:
11 h 02 min
